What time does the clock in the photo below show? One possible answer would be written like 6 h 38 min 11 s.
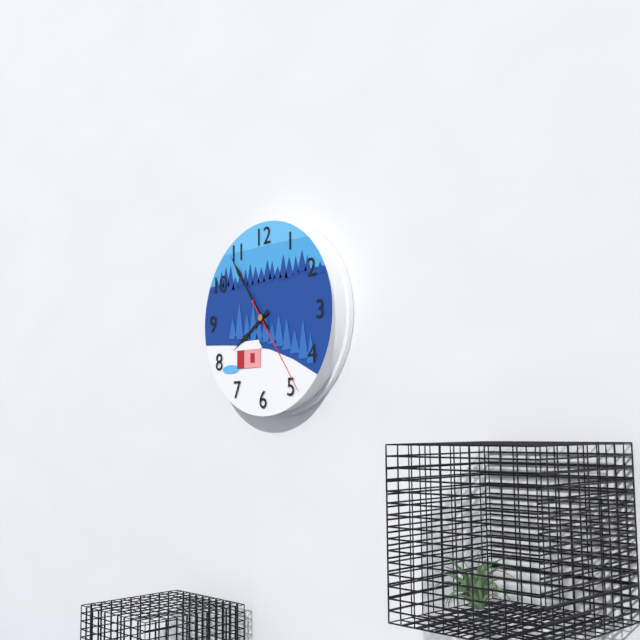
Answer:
7 h 54 min 24 s
